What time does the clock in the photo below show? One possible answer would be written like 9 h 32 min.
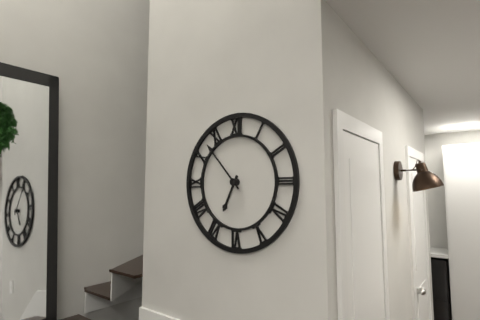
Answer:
6 h 53 min
